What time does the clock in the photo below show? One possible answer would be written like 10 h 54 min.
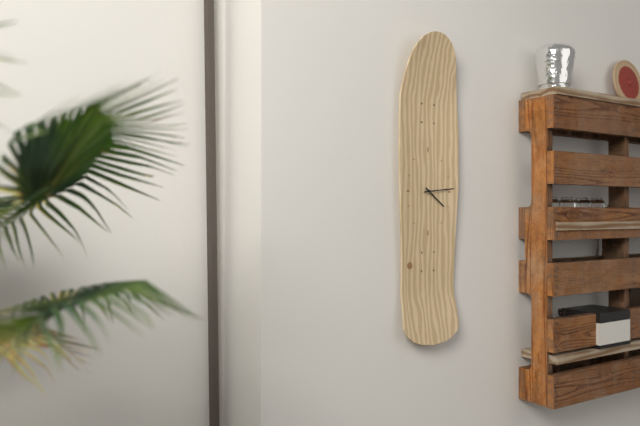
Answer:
4 h 14 min
